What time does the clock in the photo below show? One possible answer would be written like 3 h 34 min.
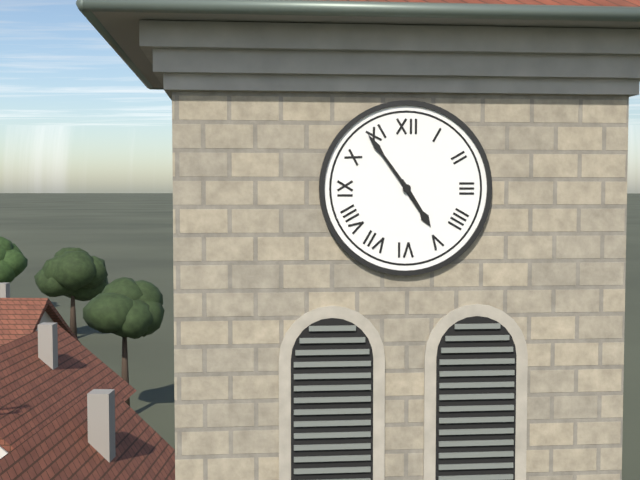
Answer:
4 h 54 min
